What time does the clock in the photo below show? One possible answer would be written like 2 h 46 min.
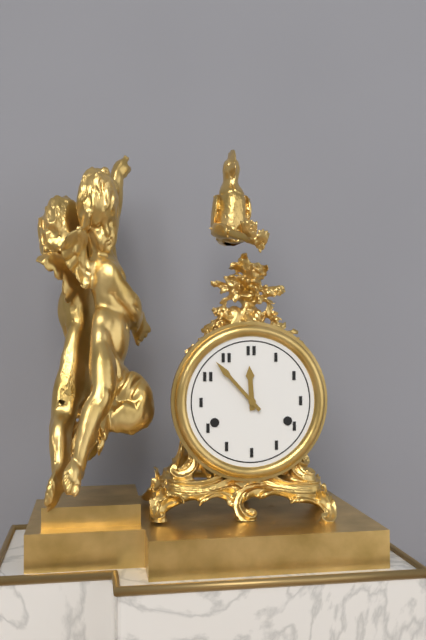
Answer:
11 h 53 min
